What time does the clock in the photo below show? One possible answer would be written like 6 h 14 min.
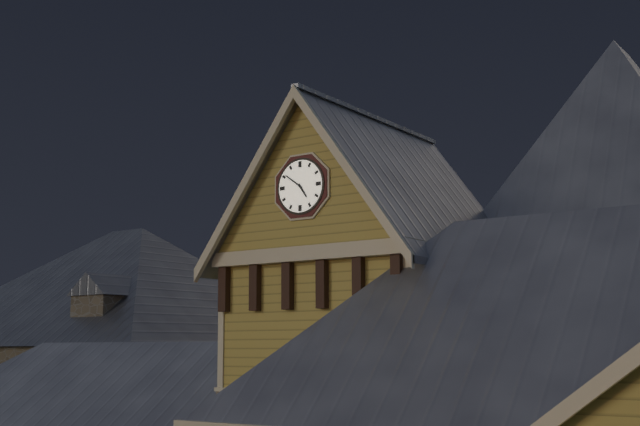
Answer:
4 h 51 min
